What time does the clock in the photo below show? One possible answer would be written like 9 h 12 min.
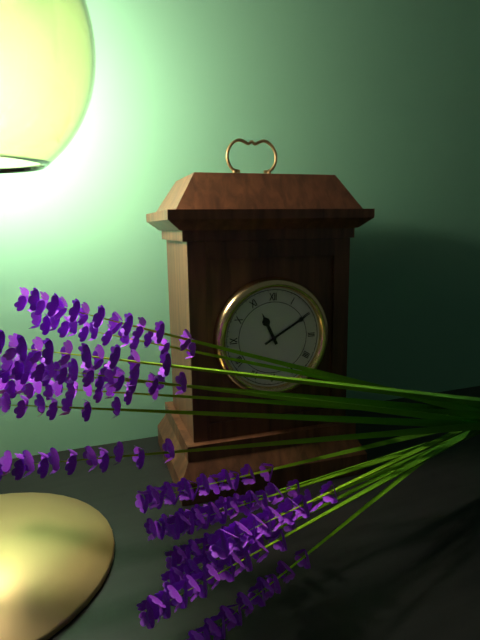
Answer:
11 h 10 min
